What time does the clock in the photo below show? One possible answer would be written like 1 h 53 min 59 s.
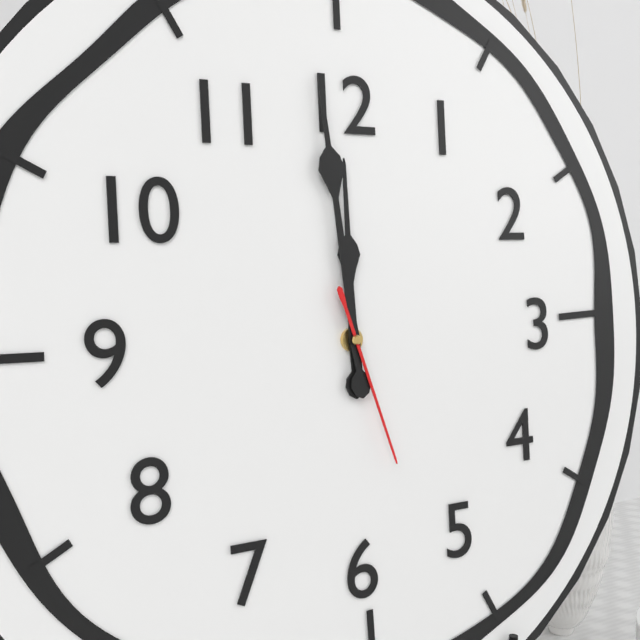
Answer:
11 h 59 min 27 s
